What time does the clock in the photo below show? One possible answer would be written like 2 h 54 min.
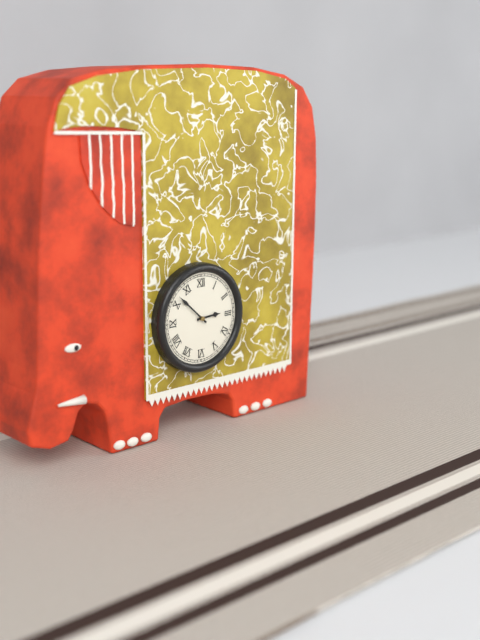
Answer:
2 h 52 min
